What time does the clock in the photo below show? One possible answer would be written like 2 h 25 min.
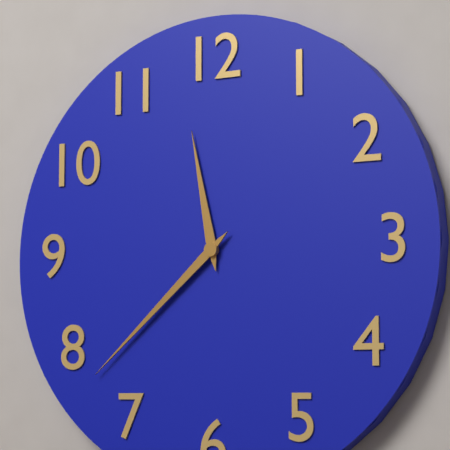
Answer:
11 h 38 min
